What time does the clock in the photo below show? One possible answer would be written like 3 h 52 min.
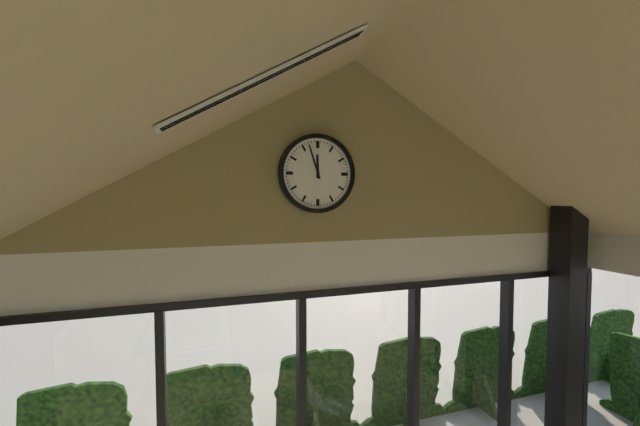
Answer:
11 h 57 min
